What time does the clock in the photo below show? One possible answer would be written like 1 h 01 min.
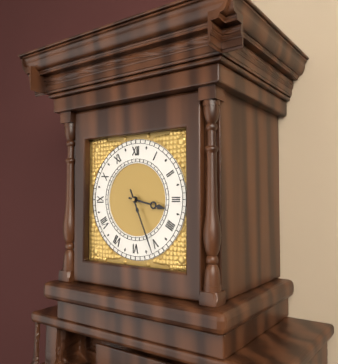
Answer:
3 h 26 min
